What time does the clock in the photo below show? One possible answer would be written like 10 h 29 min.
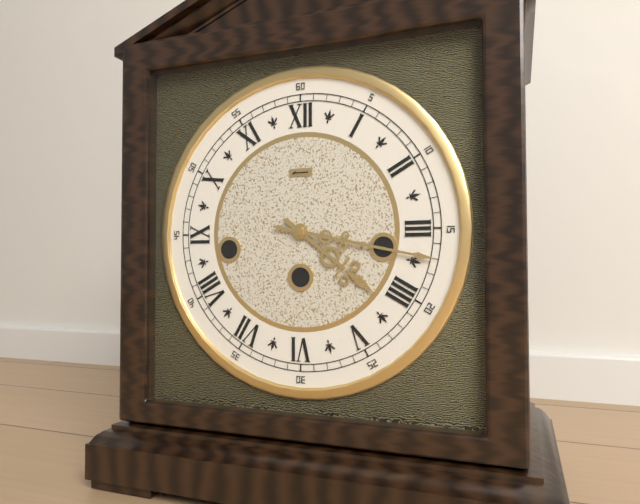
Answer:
4 h 17 min
